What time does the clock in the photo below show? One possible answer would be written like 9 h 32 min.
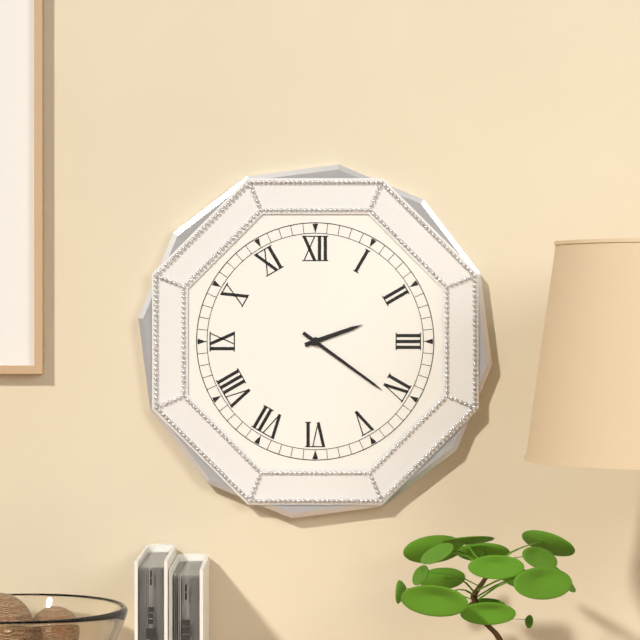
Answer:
2 h 21 min
